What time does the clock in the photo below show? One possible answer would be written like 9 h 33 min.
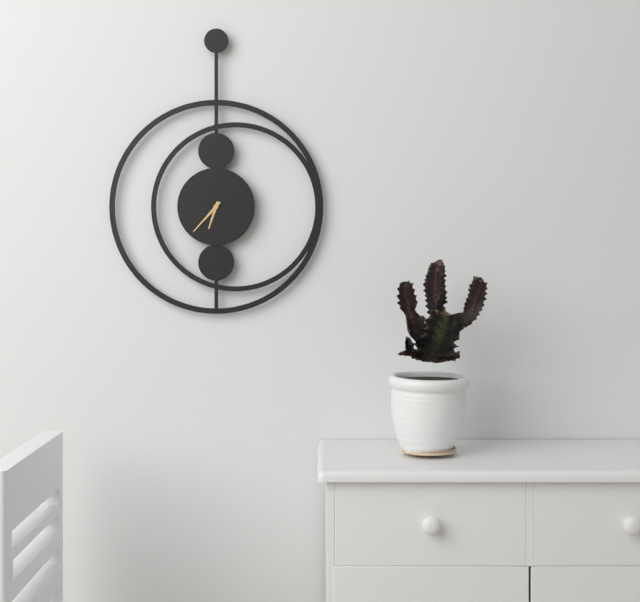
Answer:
6 h 37 min
